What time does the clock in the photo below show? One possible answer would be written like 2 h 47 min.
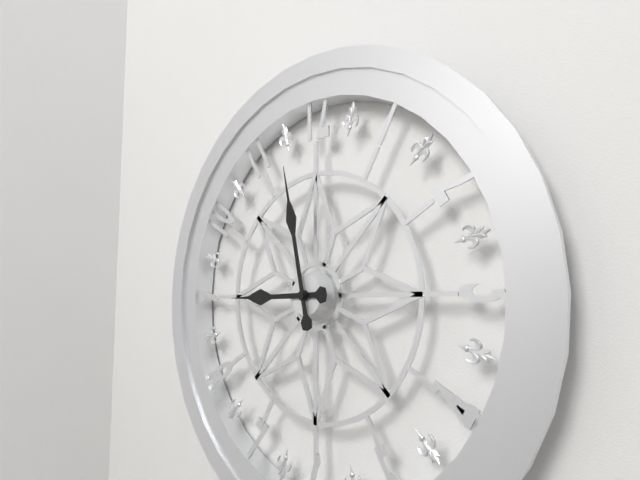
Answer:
8 h 58 min
